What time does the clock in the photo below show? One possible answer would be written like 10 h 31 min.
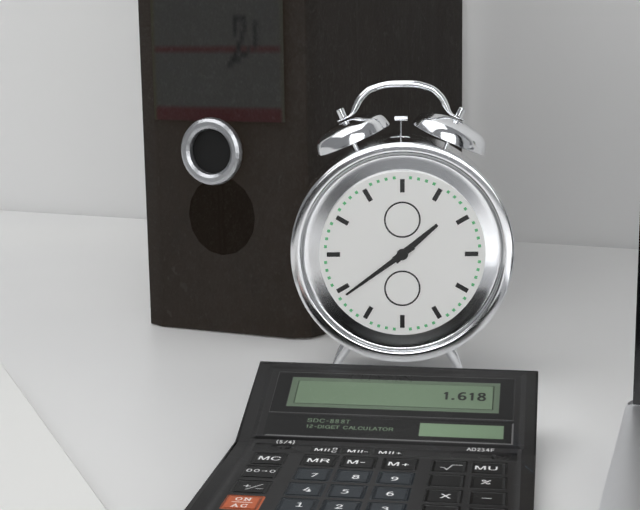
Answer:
1 h 39 min
